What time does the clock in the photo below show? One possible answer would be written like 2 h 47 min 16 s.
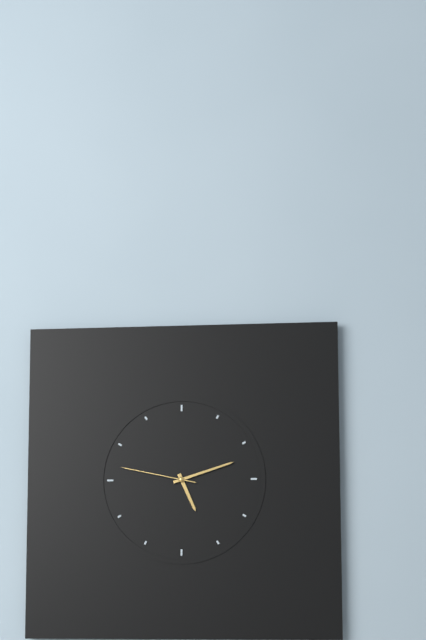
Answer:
5 h 12 min 47 s
